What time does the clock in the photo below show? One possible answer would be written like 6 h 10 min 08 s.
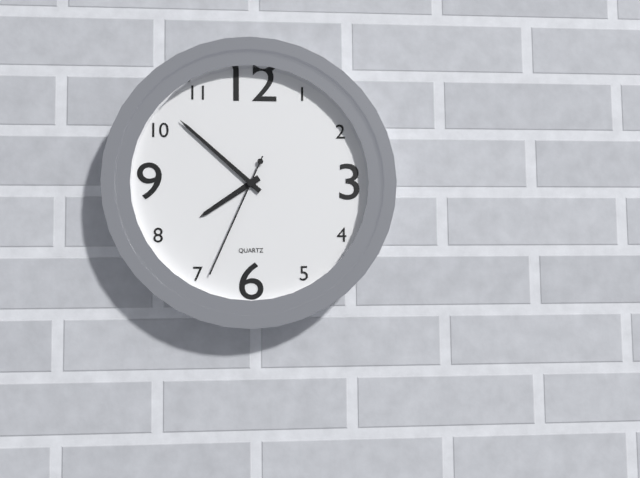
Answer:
7 h 52 min 34 s
